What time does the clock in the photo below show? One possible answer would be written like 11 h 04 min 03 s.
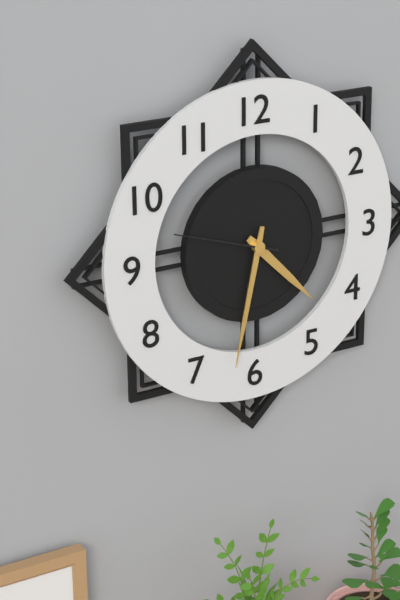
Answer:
4 h 32 min 48 s
